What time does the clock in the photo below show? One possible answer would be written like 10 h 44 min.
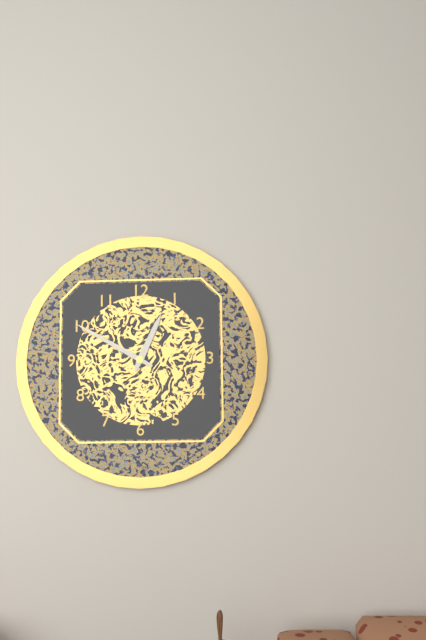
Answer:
12 h 50 min
